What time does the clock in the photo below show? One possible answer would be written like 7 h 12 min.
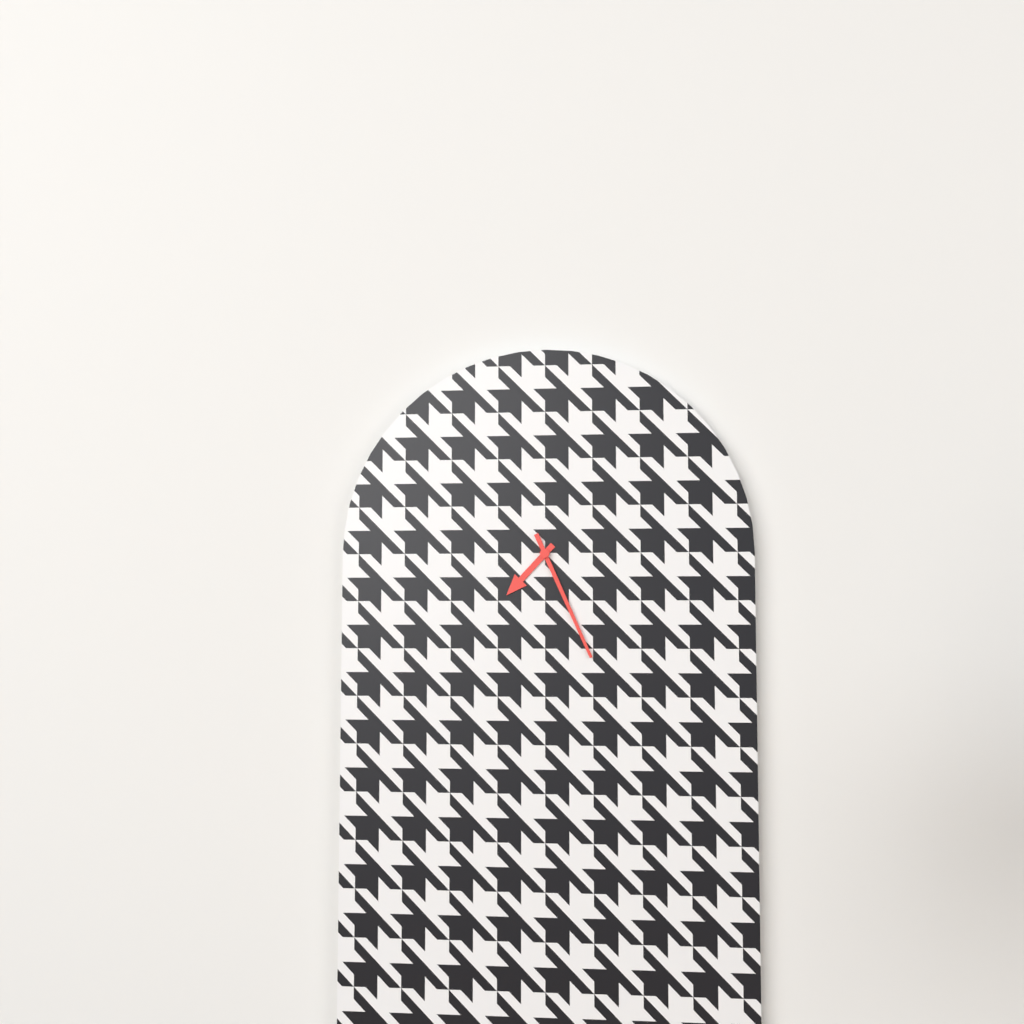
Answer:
7 h 26 min
